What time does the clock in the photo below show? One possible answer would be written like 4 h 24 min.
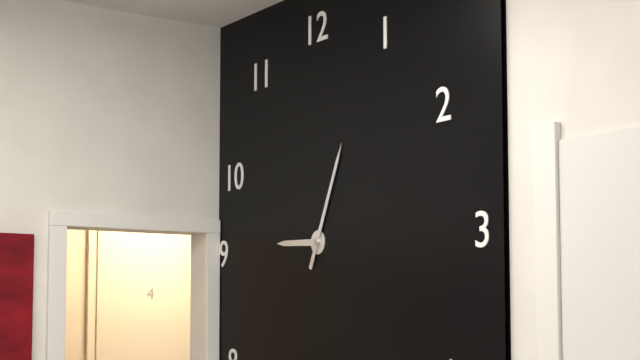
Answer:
9 h 04 min
